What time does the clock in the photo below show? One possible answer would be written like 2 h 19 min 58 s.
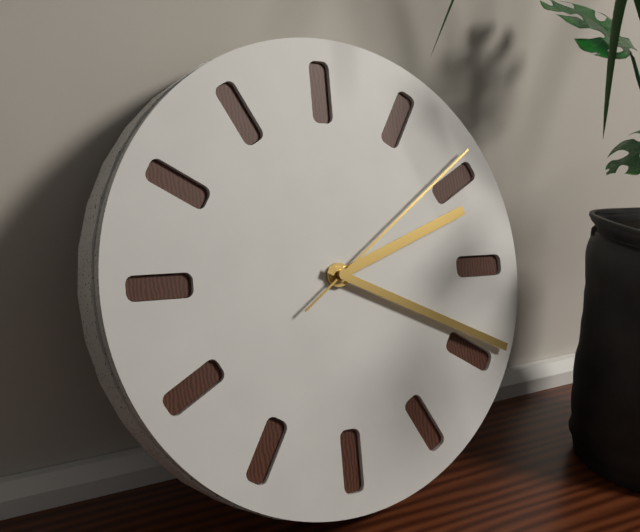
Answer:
2 h 19 min 09 s
